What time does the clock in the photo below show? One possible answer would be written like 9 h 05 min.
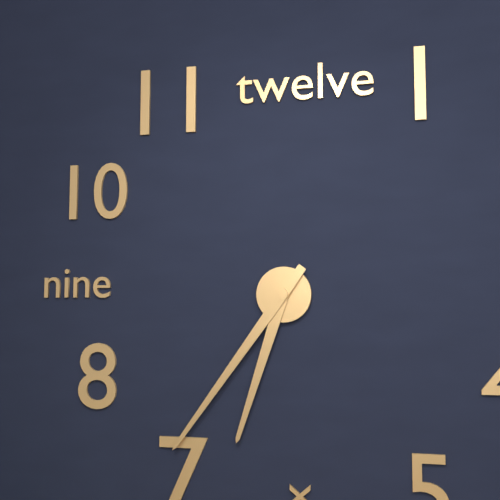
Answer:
6 h 36 min
